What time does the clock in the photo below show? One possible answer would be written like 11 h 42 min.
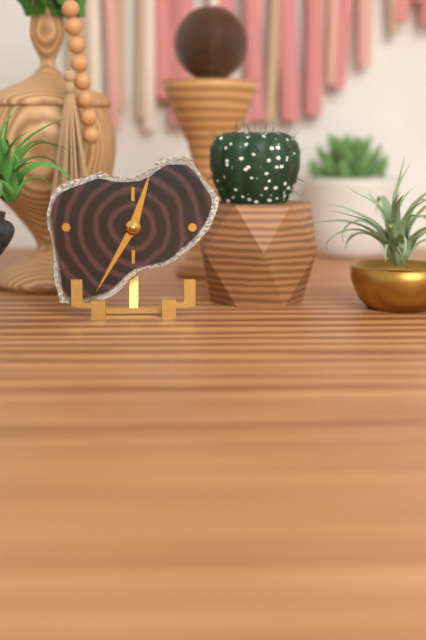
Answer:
12 h 35 min
